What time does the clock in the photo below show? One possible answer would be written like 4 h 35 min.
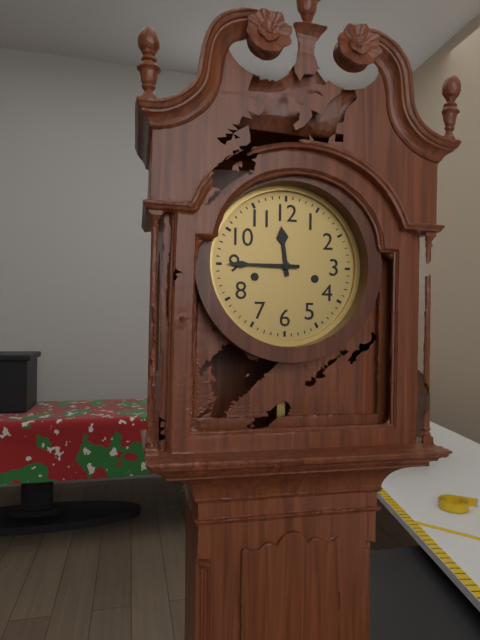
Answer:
11 h 45 min
